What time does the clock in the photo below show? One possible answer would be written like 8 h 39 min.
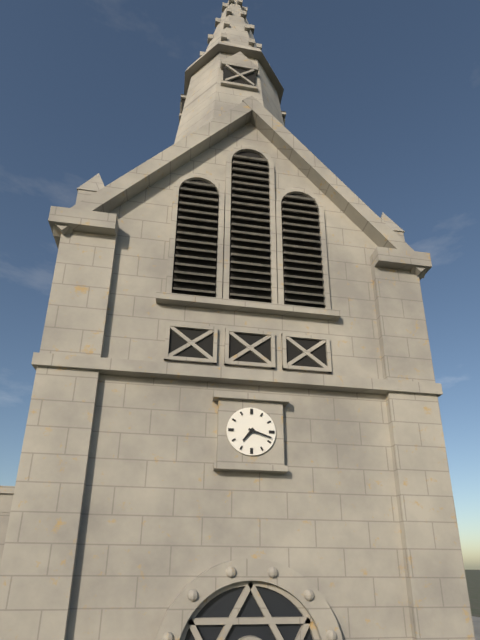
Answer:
7 h 18 min
